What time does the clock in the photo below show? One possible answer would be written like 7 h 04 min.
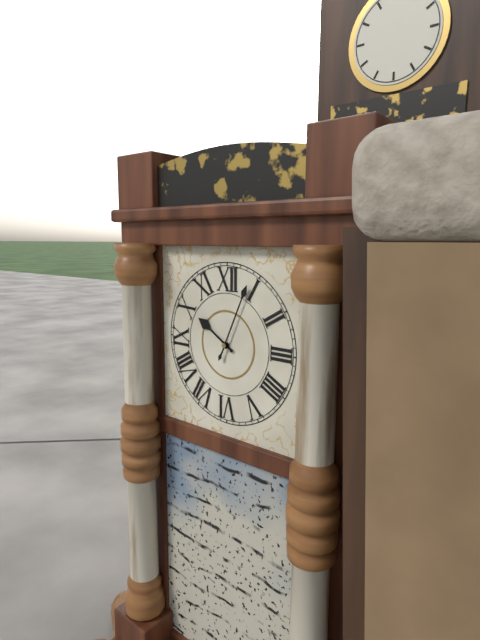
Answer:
10 h 04 min
